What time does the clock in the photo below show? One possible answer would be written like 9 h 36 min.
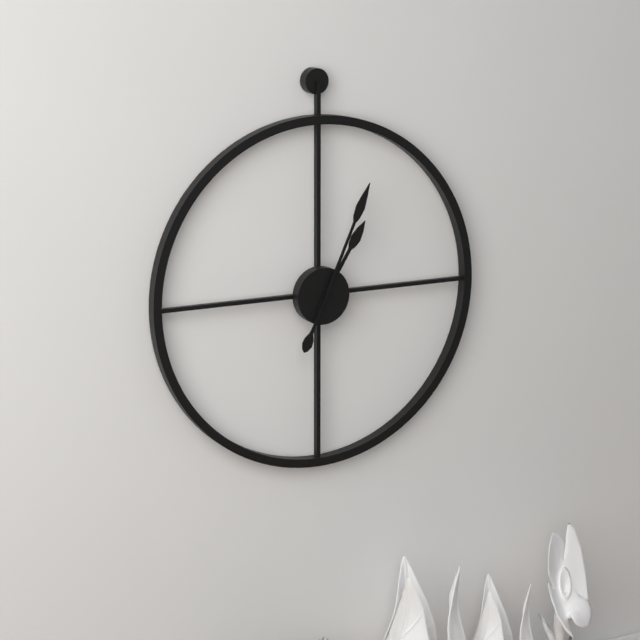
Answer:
1 h 04 min
